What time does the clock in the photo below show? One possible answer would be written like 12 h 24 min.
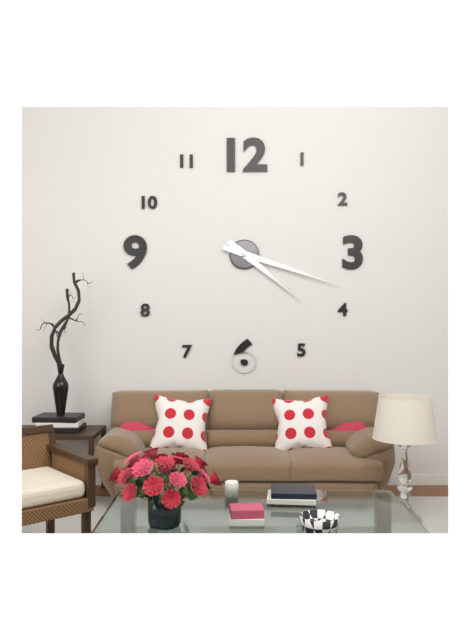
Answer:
4 h 18 min
